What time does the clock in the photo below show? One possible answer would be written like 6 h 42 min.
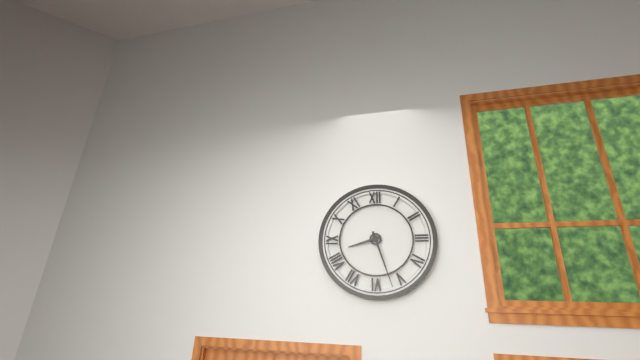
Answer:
8 h 27 min
